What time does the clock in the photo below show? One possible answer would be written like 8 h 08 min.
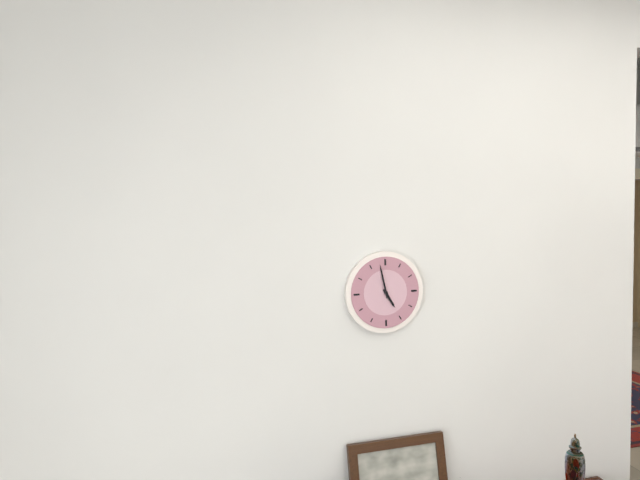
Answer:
4 h 58 min
